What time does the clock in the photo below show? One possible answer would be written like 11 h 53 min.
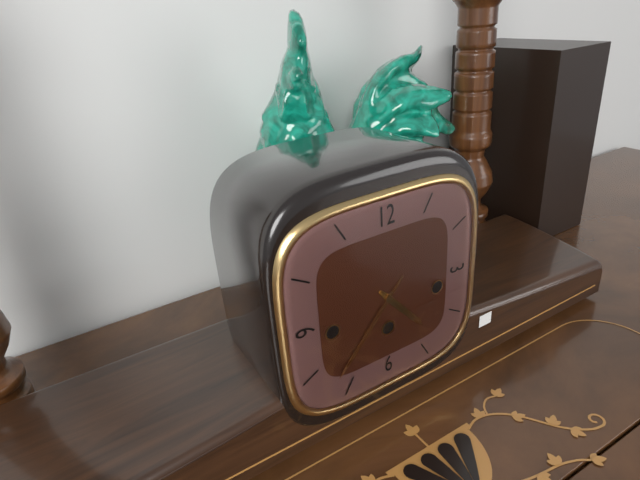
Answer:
4 h 37 min
